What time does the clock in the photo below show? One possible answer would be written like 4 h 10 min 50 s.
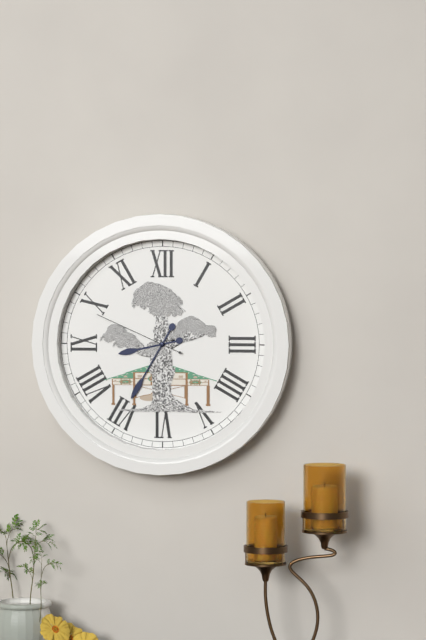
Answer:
8 h 35 min 49 s
